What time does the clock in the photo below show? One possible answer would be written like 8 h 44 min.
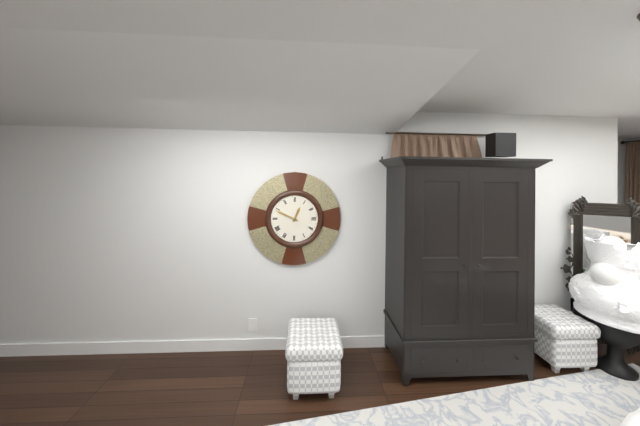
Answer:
12 h 49 min
